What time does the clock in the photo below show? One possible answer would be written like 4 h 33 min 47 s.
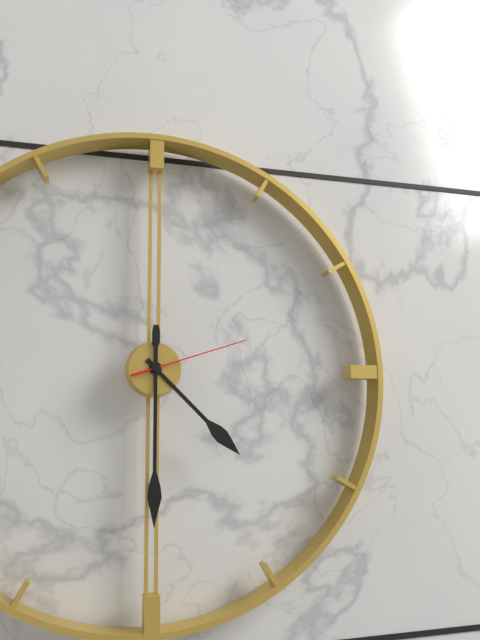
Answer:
4 h 30 min 12 s
